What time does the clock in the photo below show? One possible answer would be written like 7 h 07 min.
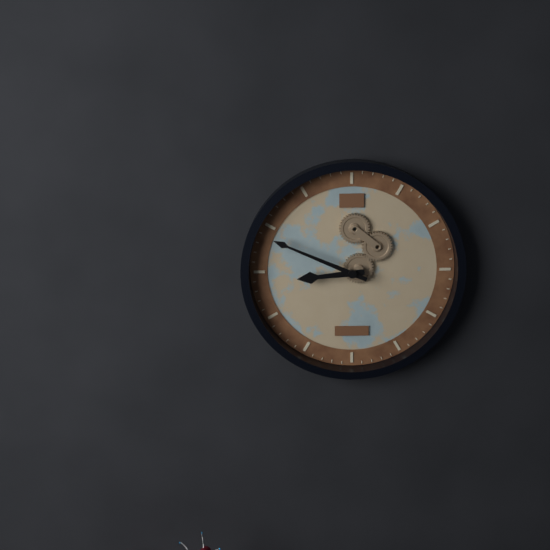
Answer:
8 h 49 min
